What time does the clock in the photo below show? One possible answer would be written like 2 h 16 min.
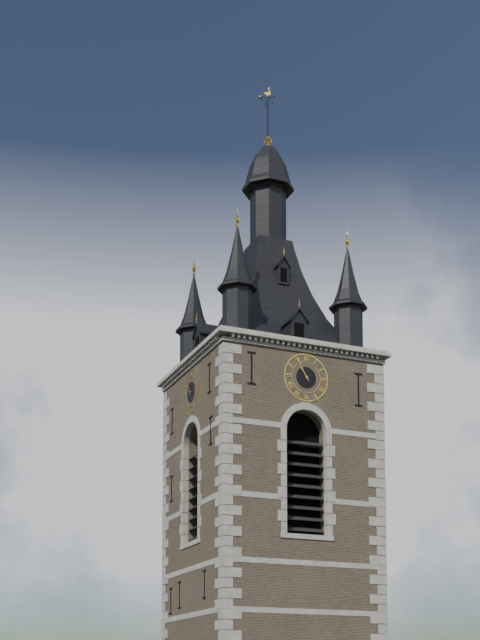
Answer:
10 h 55 min
